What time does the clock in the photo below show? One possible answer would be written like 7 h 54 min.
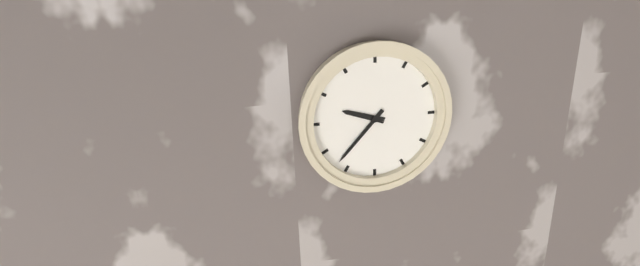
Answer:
9 h 37 min
